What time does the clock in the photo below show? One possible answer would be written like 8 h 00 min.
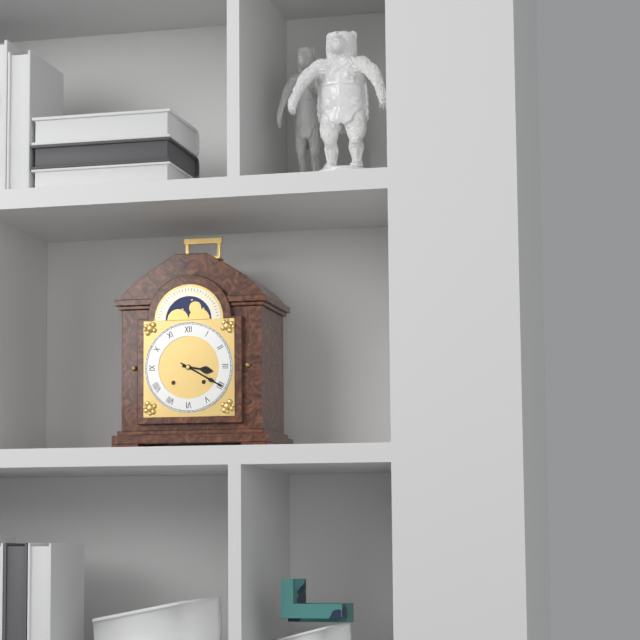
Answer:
3 h 20 min
